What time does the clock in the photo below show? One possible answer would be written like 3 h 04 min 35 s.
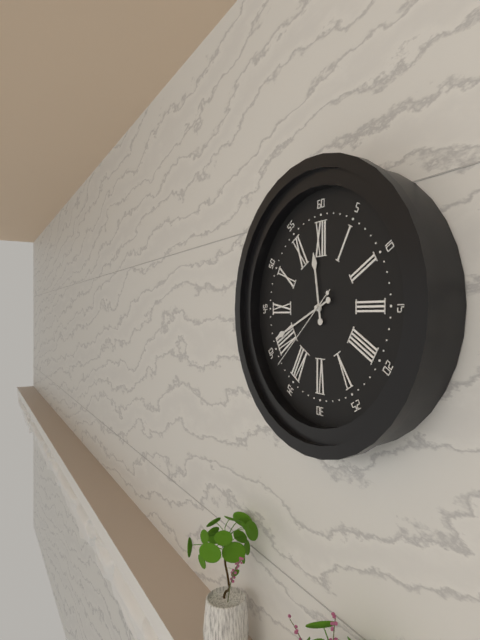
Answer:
11 h 41 min 38 s
